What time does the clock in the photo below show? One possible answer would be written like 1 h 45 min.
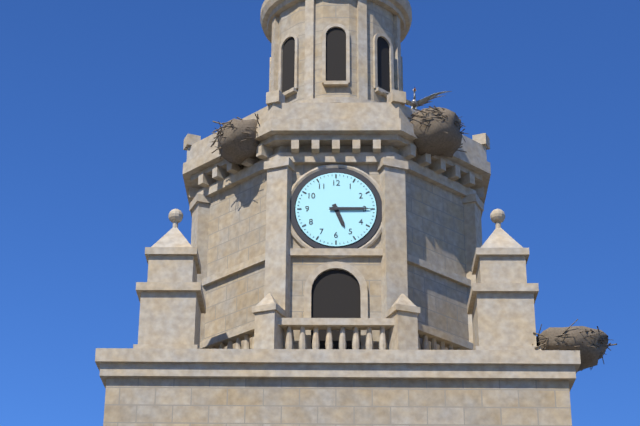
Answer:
5 h 15 min
